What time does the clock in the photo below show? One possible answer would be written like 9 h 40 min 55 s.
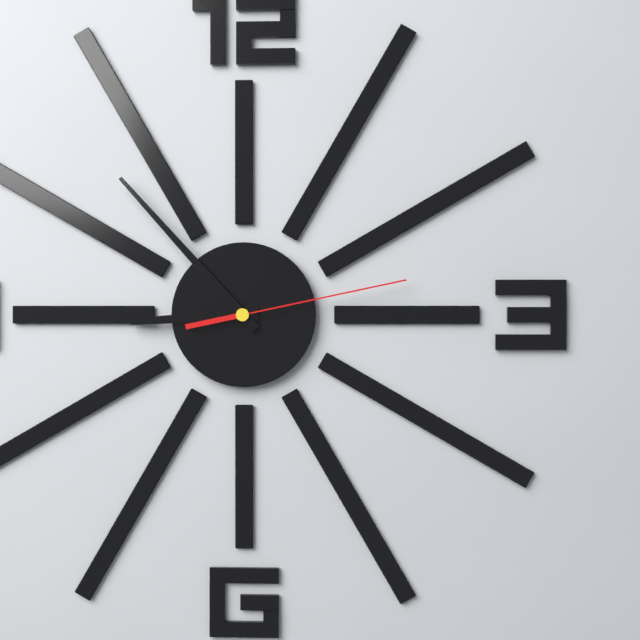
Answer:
8 h 53 min 13 s
